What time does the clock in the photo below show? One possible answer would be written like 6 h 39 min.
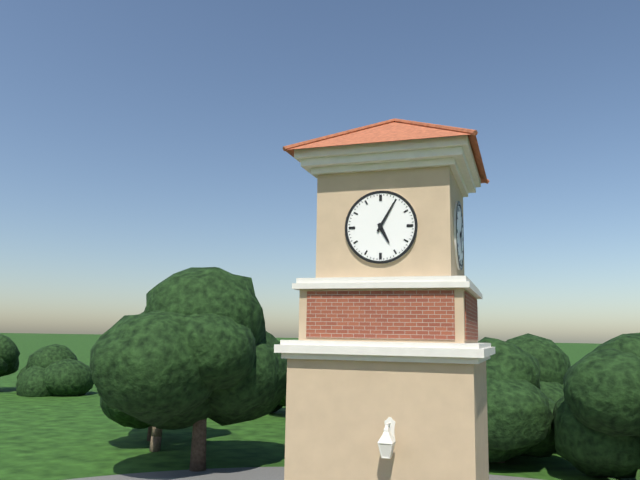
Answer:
5 h 05 min
